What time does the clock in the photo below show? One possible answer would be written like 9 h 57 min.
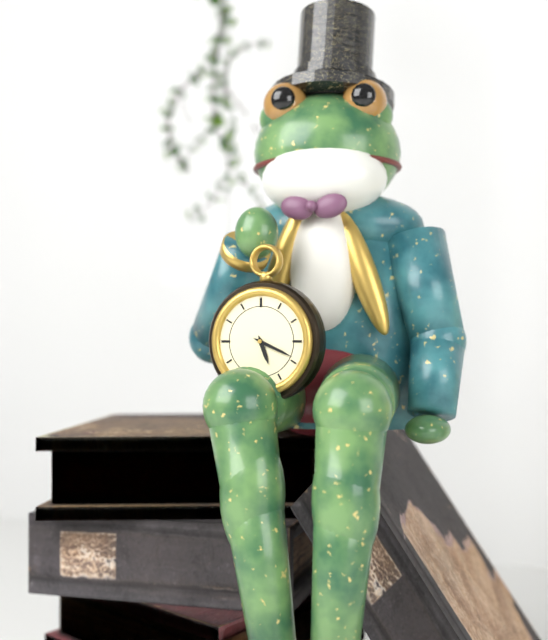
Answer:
5 h 19 min
